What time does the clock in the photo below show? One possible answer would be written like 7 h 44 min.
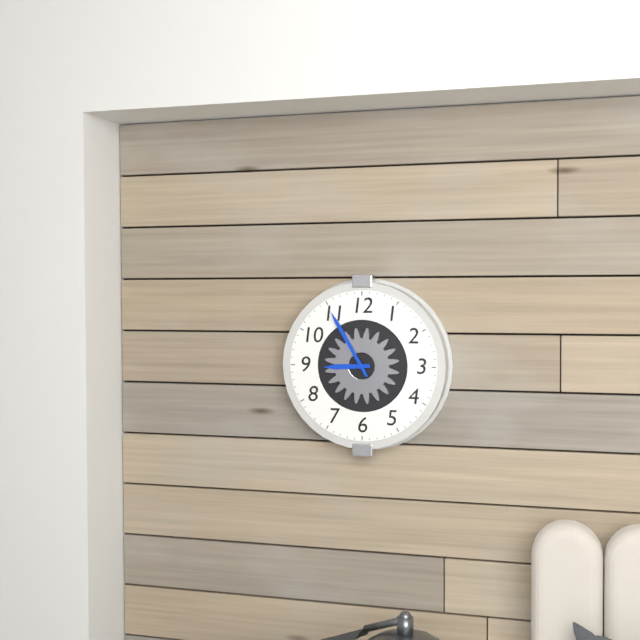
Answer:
8 h 55 min
